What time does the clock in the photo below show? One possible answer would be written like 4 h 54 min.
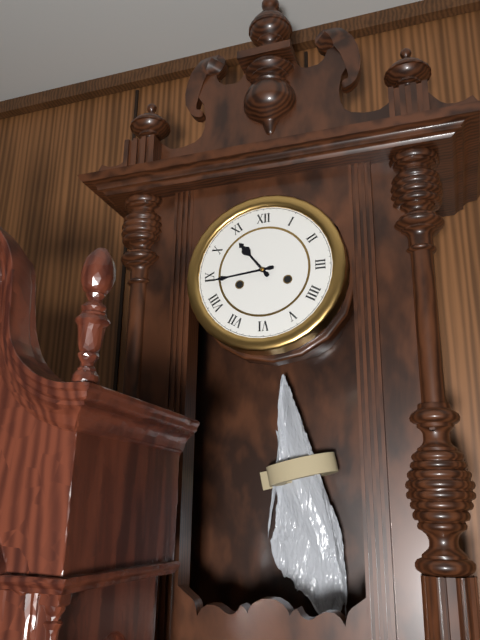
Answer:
10 h 44 min
